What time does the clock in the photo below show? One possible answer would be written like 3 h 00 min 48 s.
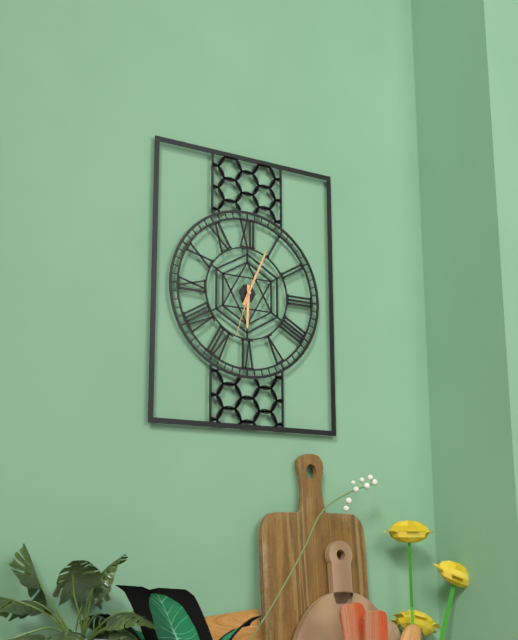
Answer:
6 h 04 min 33 s
